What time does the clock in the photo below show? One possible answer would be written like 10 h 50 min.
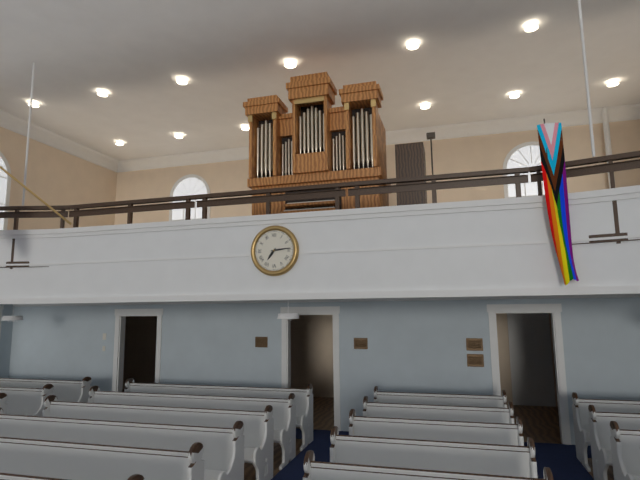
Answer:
7 h 14 min
